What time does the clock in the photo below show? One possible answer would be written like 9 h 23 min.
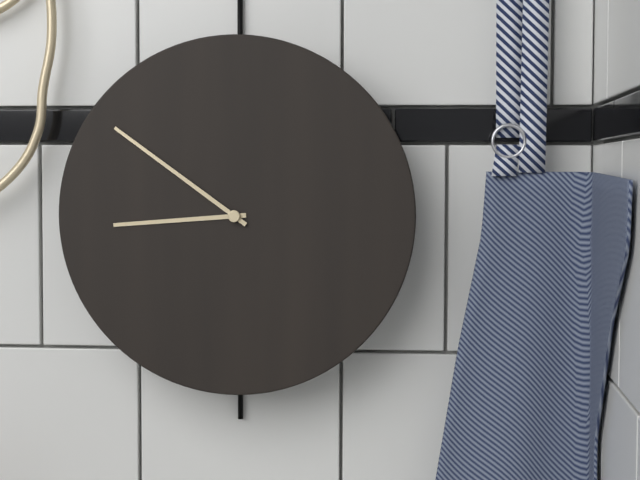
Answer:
8 h 51 min
